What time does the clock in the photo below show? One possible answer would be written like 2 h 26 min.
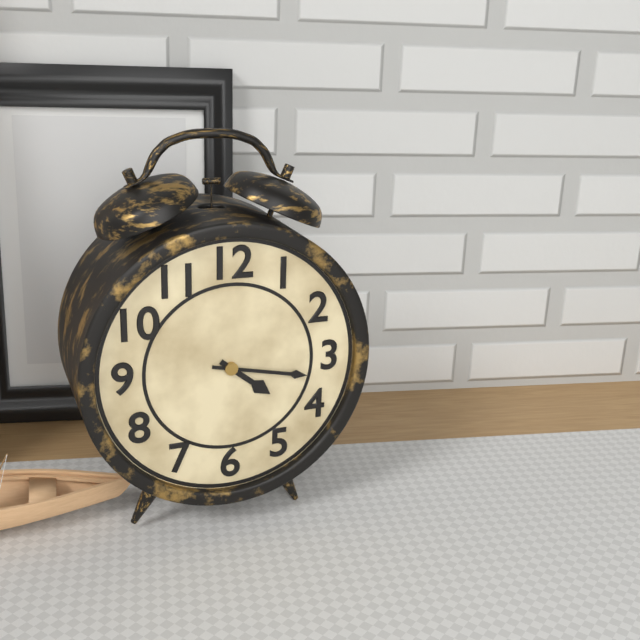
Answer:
4 h 17 min
